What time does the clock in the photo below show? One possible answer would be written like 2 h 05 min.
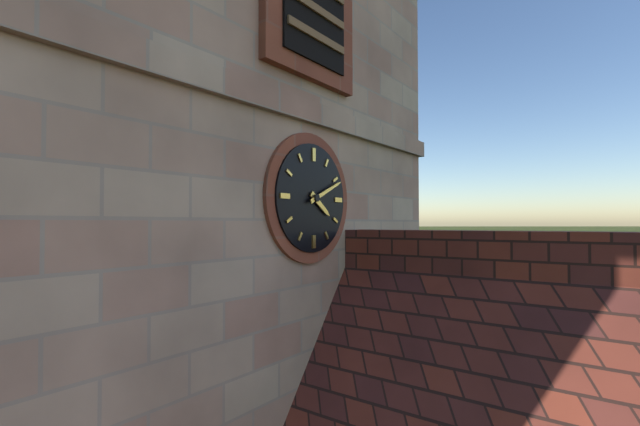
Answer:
4 h 11 min
